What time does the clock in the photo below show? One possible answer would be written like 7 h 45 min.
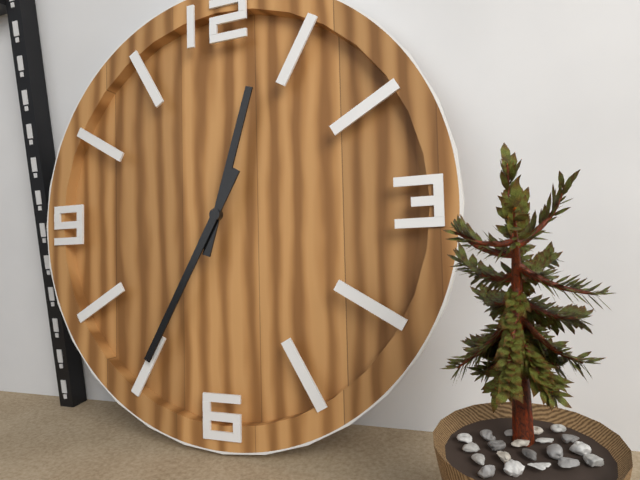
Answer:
12 h 35 min
